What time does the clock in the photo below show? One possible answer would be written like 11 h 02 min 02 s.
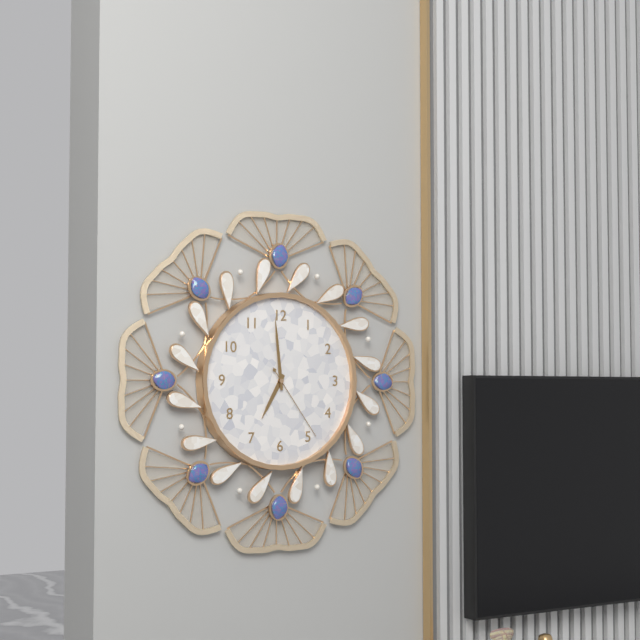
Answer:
6 h 59 min 24 s
